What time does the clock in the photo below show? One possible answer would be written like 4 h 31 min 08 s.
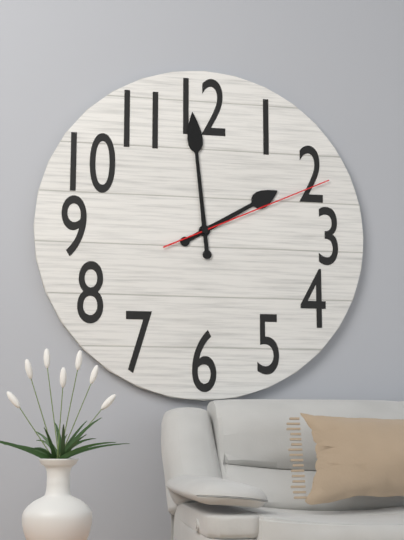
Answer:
1 h 59 min 11 s
